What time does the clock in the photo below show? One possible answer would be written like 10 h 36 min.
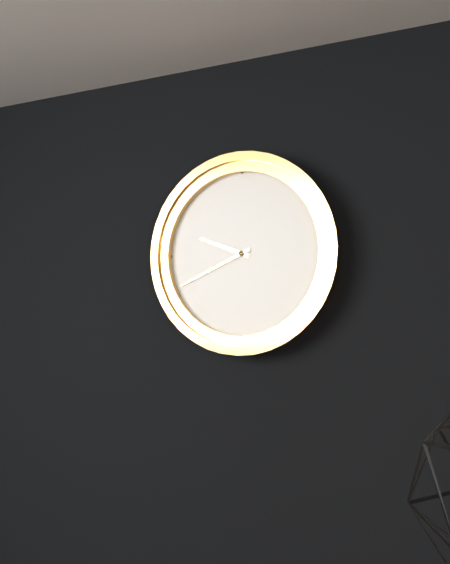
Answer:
9 h 41 min
